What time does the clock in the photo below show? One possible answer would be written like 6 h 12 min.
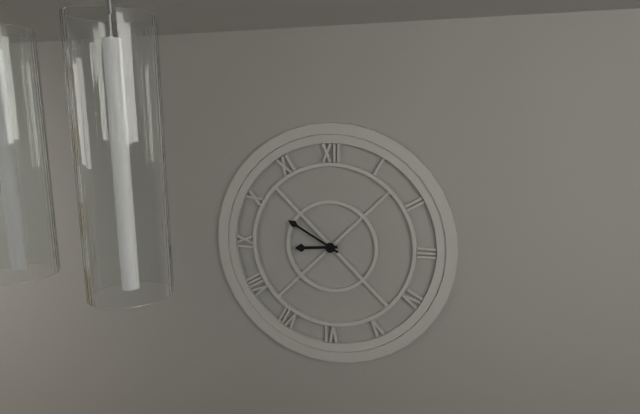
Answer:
8 h 50 min
